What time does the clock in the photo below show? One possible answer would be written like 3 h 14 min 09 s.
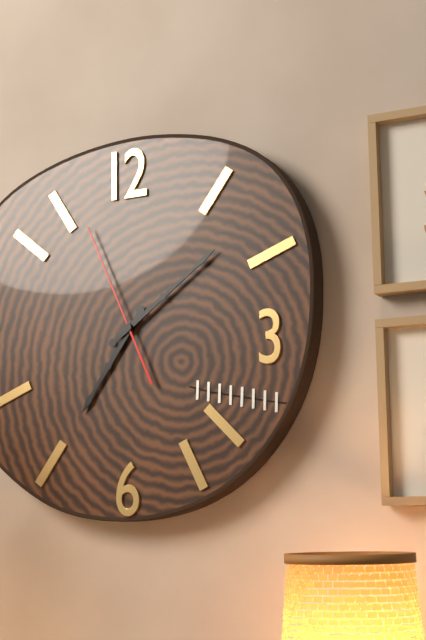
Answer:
7 h 09 min 56 s
